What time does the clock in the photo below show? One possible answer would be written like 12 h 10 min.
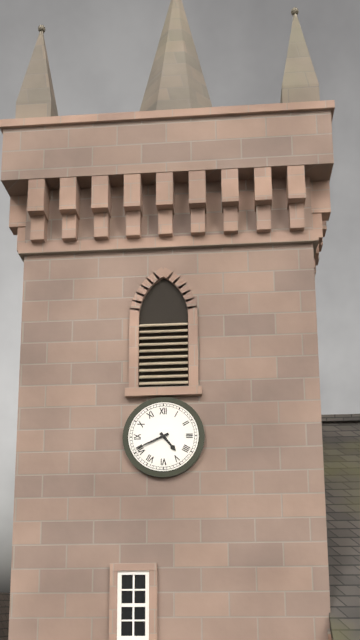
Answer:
4 h 41 min
